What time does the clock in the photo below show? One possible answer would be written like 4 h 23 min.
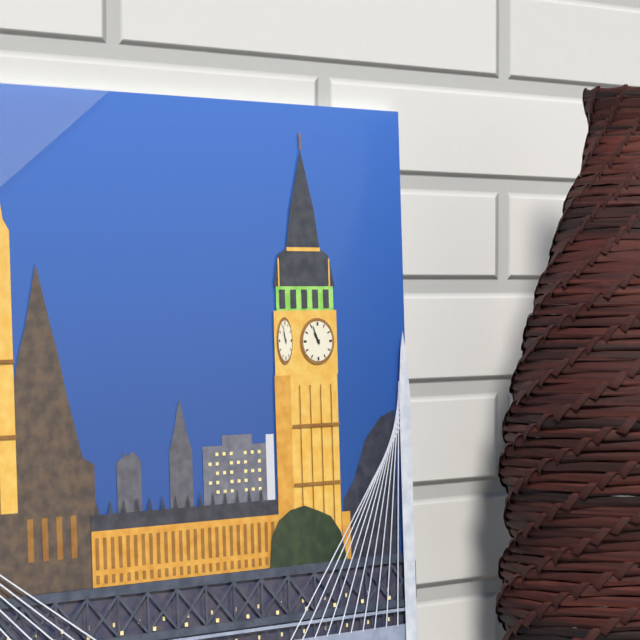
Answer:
10 h 56 min
